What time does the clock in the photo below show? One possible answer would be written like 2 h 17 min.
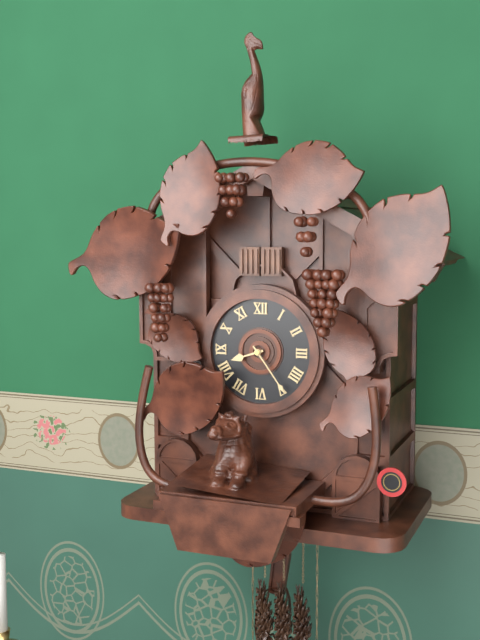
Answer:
8 h 24 min
